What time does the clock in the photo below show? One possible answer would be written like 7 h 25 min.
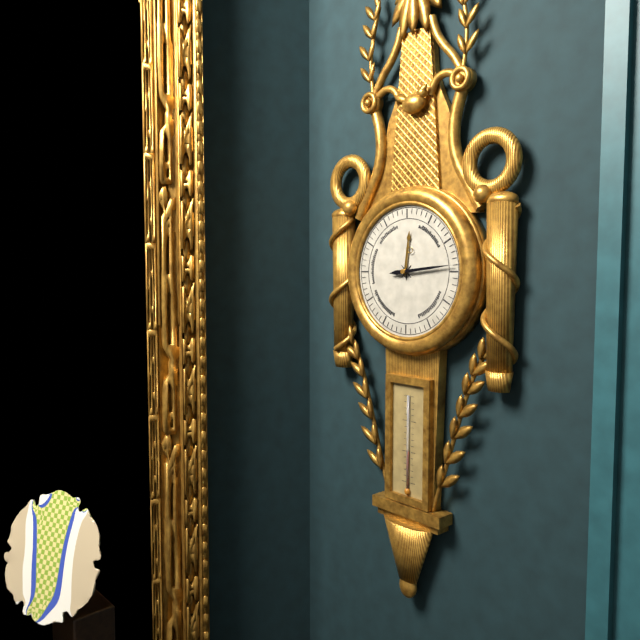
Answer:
12 h 14 min
